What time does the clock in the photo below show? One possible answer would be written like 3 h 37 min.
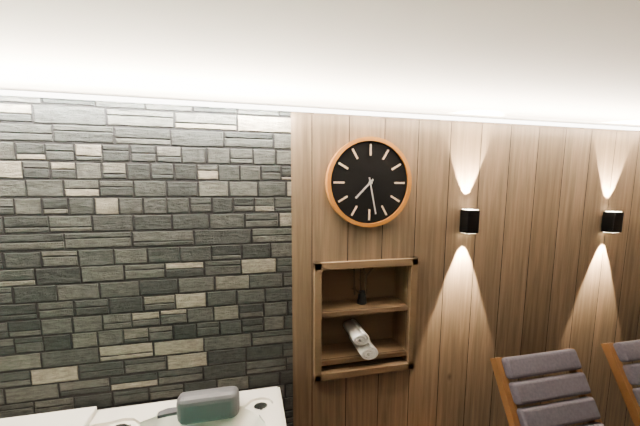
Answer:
7 h 28 min
